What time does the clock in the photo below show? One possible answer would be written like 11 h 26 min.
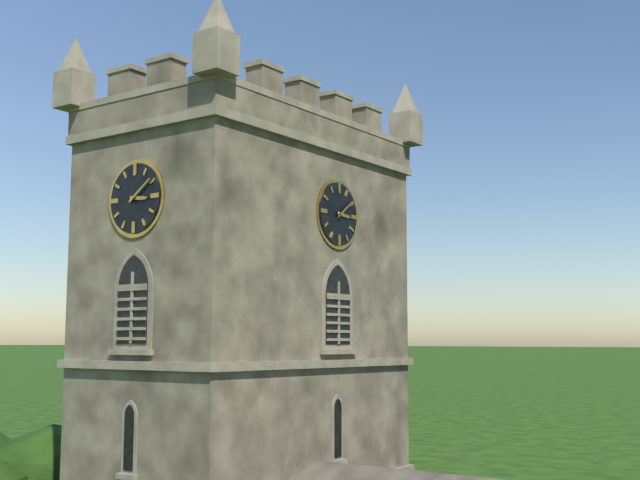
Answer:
3 h 09 min
